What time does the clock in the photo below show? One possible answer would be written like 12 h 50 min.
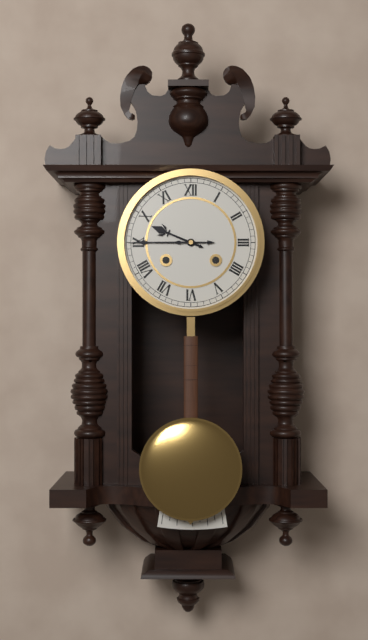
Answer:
9 h 45 min
